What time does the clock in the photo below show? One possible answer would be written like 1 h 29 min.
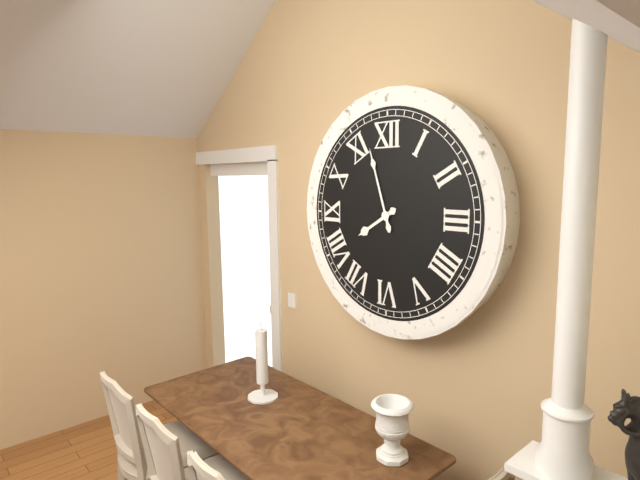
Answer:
7 h 57 min
